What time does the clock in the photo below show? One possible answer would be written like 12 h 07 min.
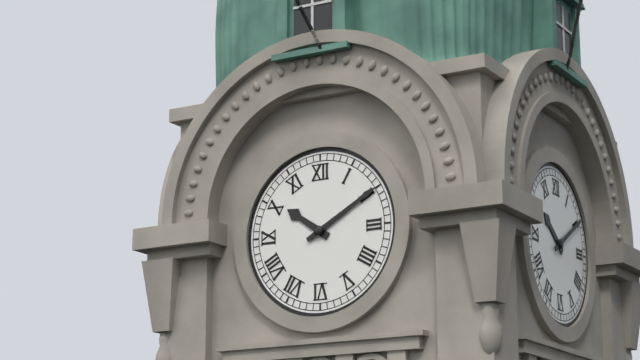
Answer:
10 h 10 min
